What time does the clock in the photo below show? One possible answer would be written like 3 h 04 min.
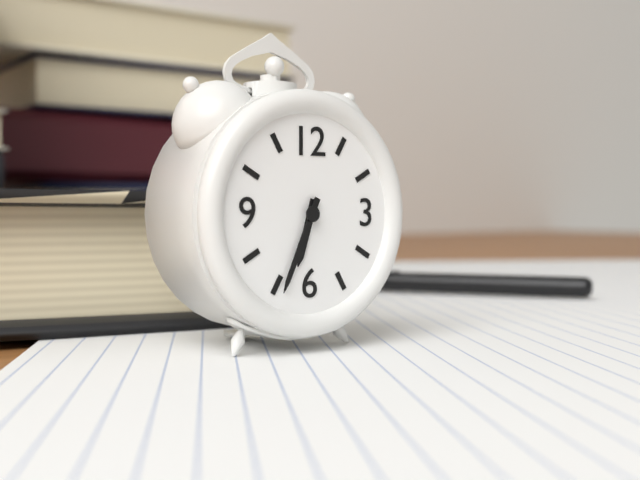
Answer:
6 h 34 min
